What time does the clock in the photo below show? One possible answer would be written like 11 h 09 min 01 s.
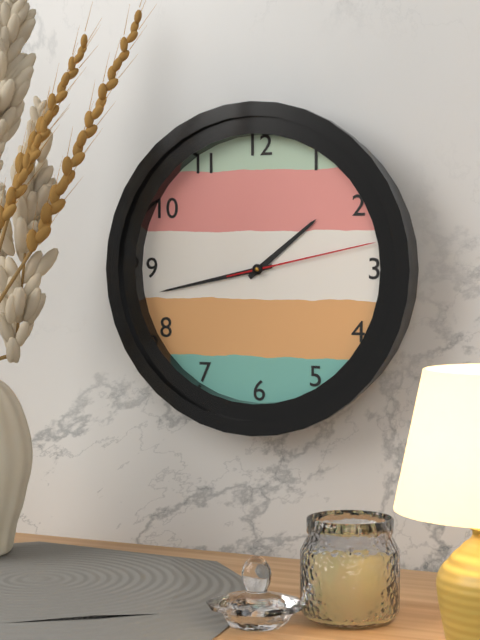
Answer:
1 h 43 min 13 s
